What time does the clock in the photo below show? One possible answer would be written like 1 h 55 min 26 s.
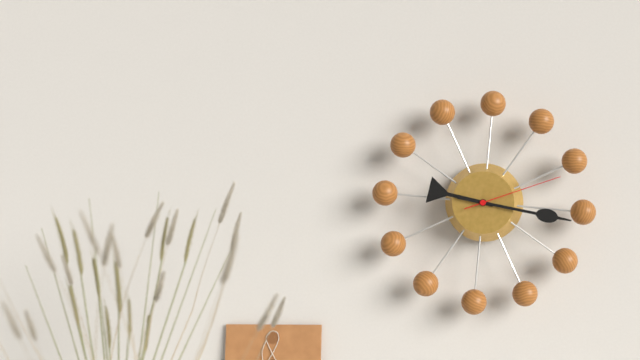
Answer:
9 h 16 min 11 s
